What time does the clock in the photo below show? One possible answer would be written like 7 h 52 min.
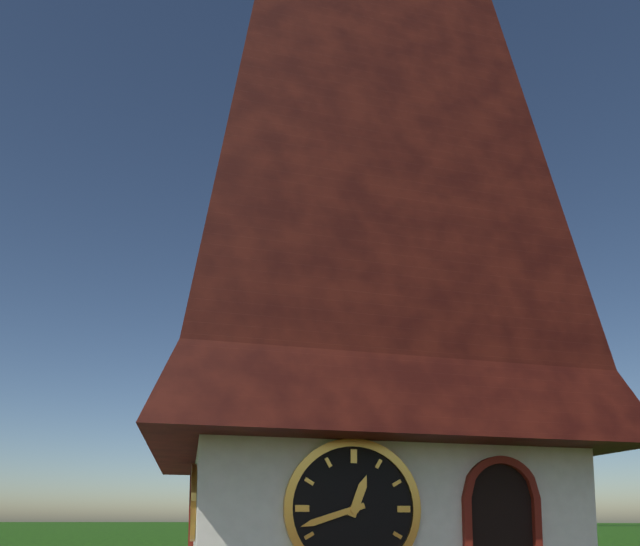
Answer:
12 h 42 min
